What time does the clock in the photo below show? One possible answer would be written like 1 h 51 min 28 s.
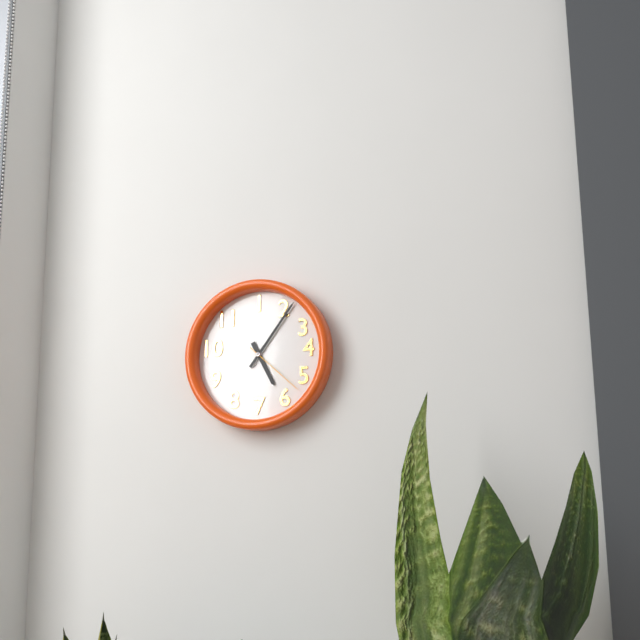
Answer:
5 h 06 min 22 s
